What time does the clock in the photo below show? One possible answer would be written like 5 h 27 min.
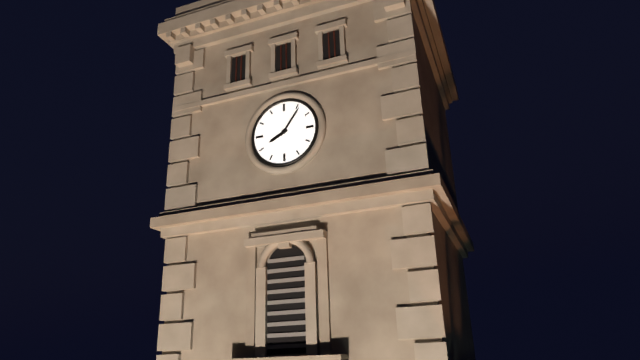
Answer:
8 h 06 min
